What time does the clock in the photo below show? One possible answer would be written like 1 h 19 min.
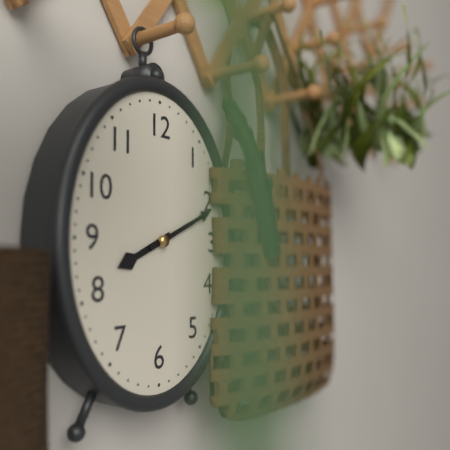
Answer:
8 h 11 min
